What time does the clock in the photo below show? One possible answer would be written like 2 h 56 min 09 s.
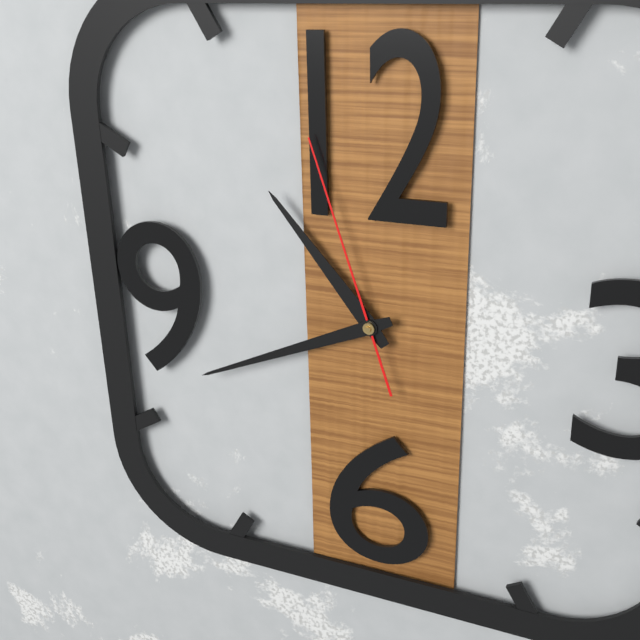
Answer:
10 h 41 min 57 s
